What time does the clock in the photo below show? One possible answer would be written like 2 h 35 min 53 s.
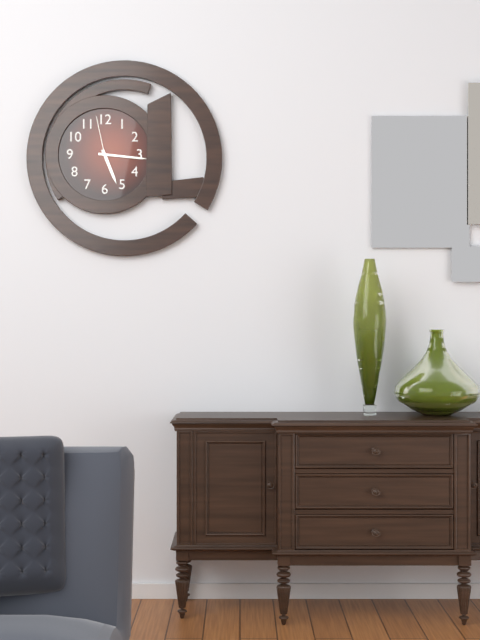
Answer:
5 h 16 min 58 s
